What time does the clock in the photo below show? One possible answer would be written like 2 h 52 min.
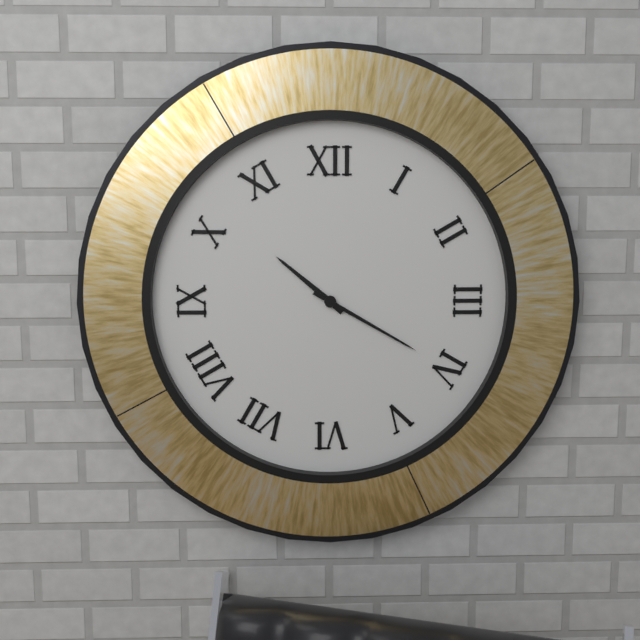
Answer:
10 h 20 min
